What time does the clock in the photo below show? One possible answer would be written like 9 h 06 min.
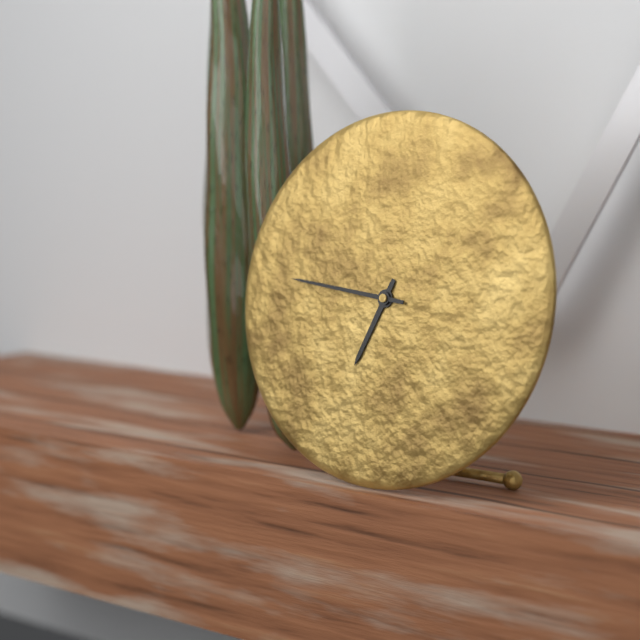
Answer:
6 h 46 min
